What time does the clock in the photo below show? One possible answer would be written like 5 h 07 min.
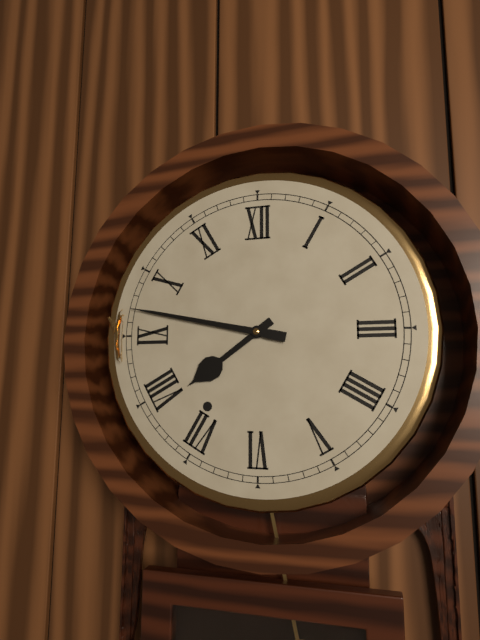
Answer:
7 h 47 min
